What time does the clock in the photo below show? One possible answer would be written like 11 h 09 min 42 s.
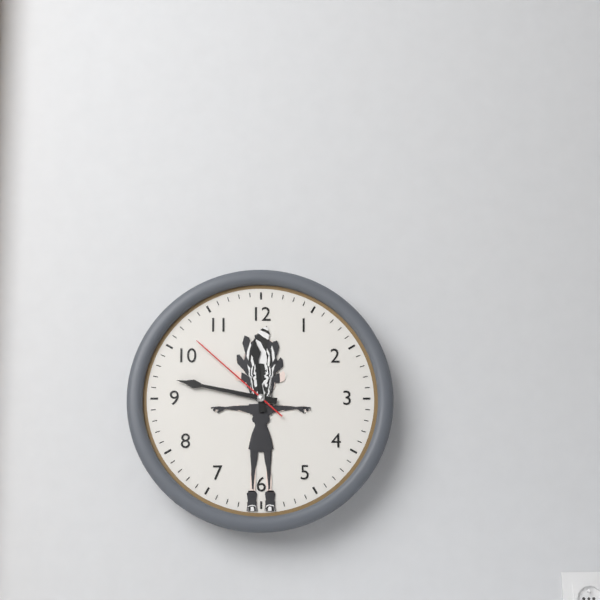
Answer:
11 h 47 min 52 s
